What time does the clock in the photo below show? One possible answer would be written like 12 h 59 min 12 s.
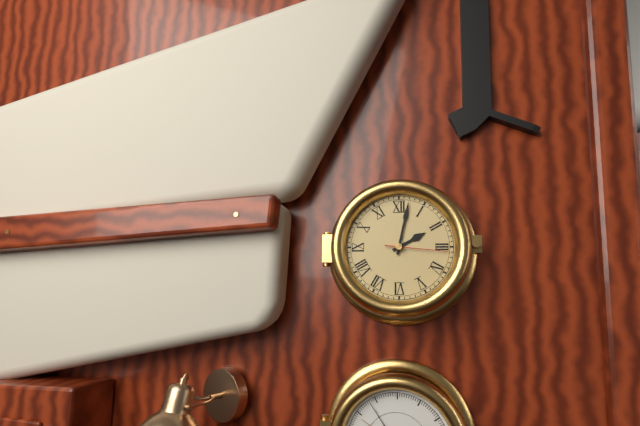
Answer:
2 h 02 min 16 s
